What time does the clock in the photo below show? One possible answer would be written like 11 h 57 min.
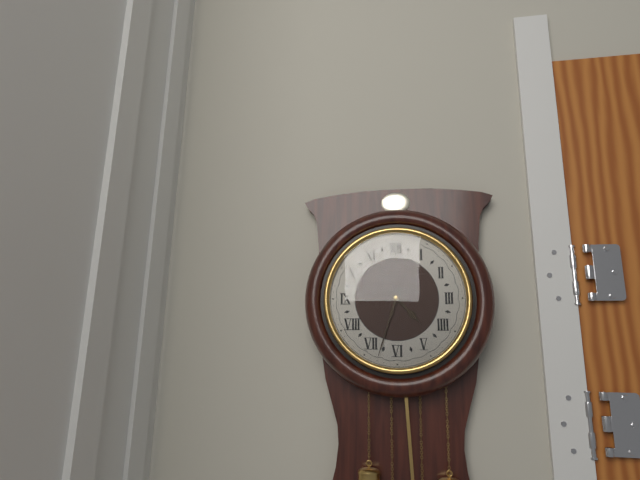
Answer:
4 h 33 min
